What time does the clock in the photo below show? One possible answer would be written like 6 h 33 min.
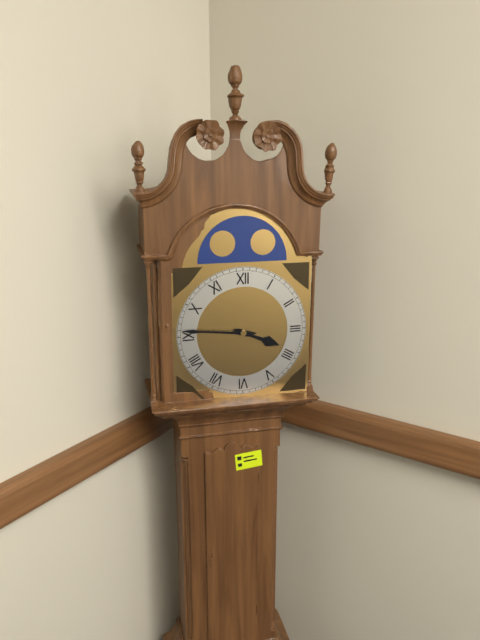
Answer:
3 h 46 min
